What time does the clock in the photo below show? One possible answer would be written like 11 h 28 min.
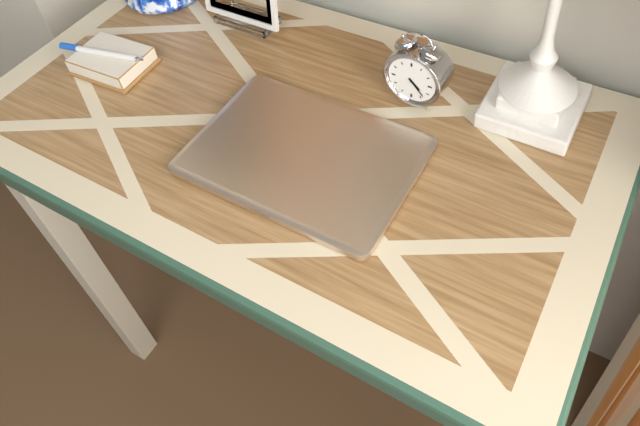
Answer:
4 h 23 min
